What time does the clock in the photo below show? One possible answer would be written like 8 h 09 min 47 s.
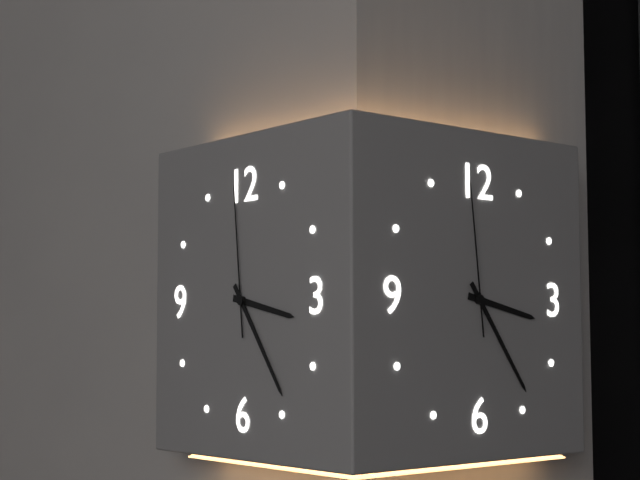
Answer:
3 h 24 min 59 s
